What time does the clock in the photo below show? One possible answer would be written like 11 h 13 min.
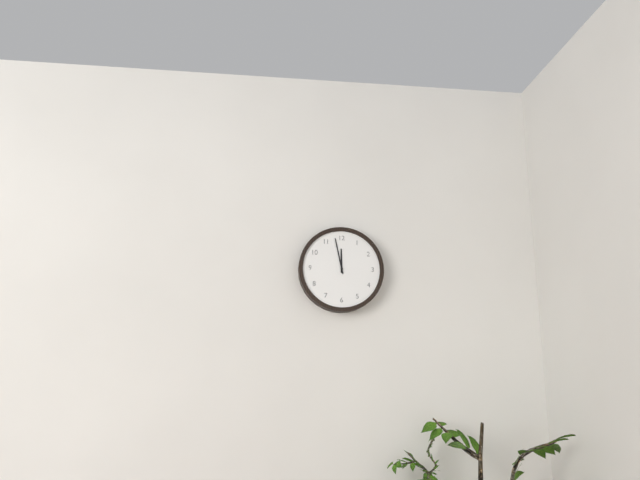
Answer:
11 h 58 min
